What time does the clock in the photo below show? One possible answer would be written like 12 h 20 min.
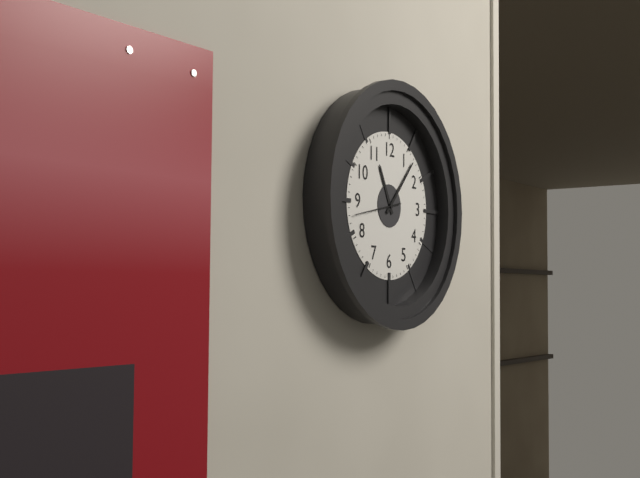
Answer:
11 h 07 min
